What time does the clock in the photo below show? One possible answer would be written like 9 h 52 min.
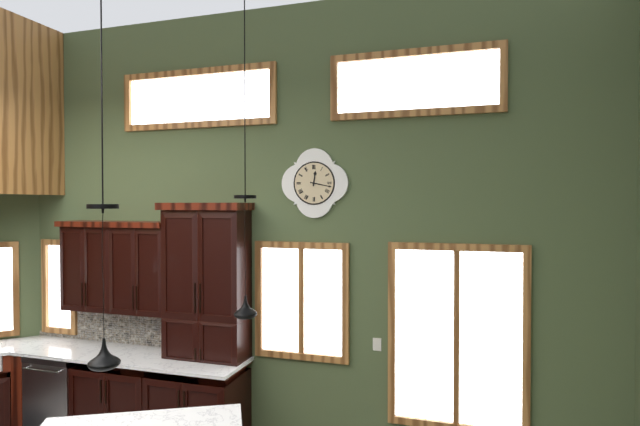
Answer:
12 h 17 min
